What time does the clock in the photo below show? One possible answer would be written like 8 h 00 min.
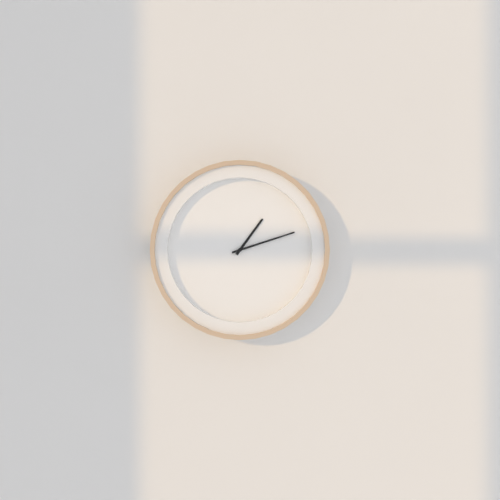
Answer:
1 h 12 min
